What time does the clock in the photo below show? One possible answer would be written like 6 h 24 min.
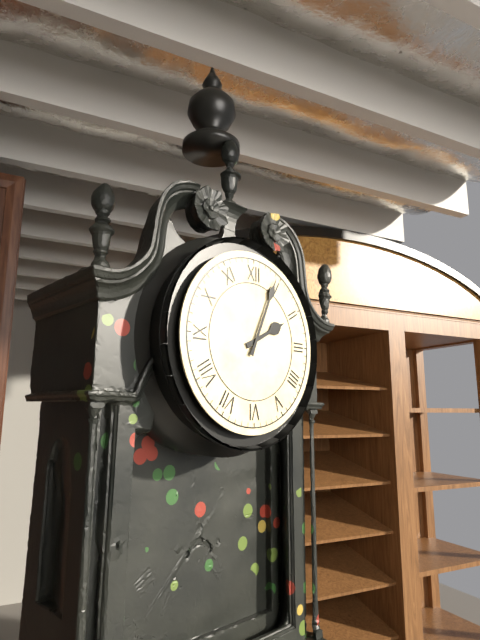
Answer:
2 h 04 min
